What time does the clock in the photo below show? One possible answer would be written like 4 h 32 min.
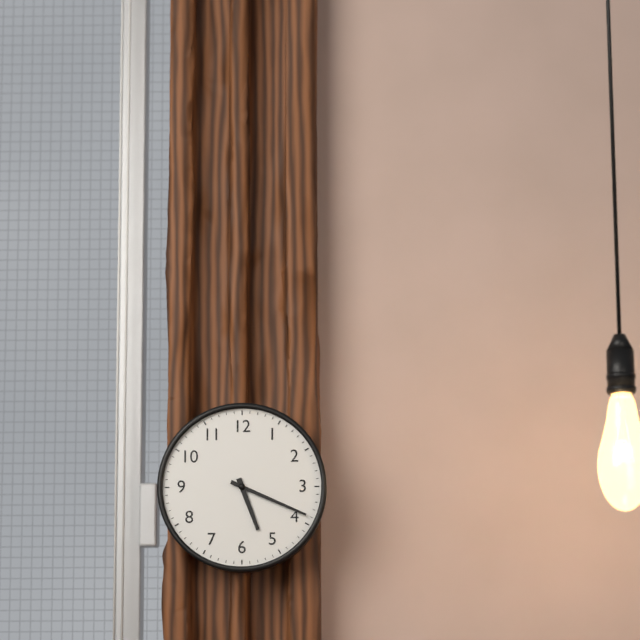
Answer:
5 h 19 min
